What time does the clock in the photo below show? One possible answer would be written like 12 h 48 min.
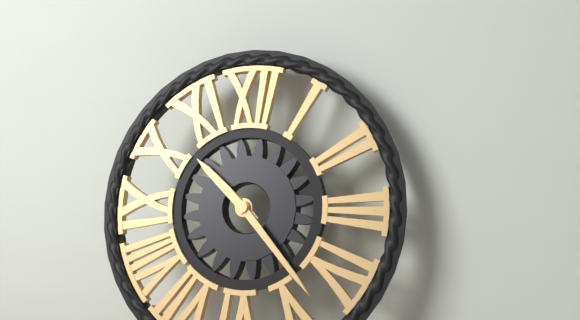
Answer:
10 h 23 min
